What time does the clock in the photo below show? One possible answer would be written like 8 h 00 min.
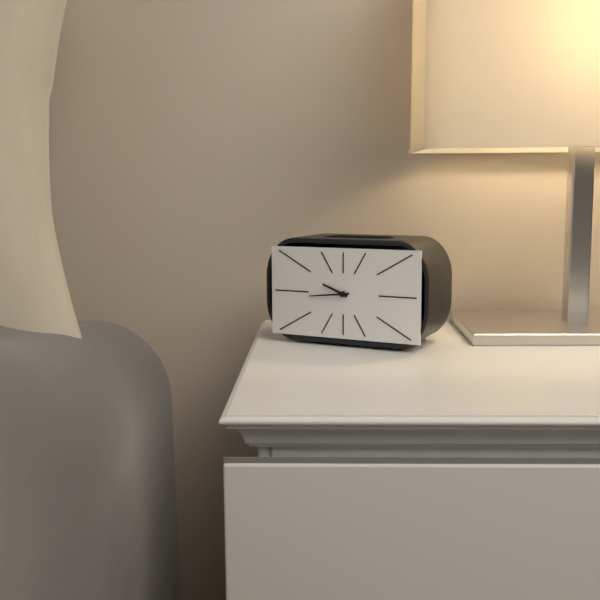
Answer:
9 h 44 min
